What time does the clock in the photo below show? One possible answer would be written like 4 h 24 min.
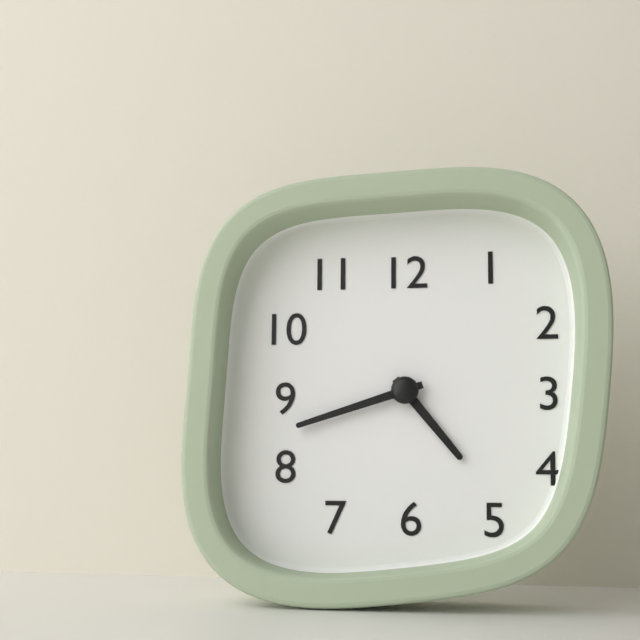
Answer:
4 h 42 min
